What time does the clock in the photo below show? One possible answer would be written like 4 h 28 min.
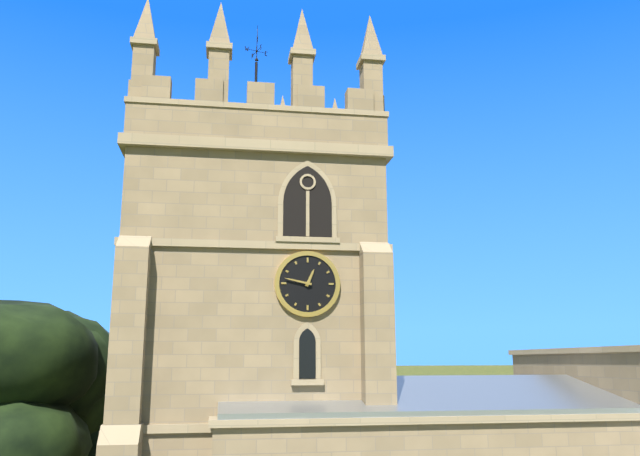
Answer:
12 h 47 min
